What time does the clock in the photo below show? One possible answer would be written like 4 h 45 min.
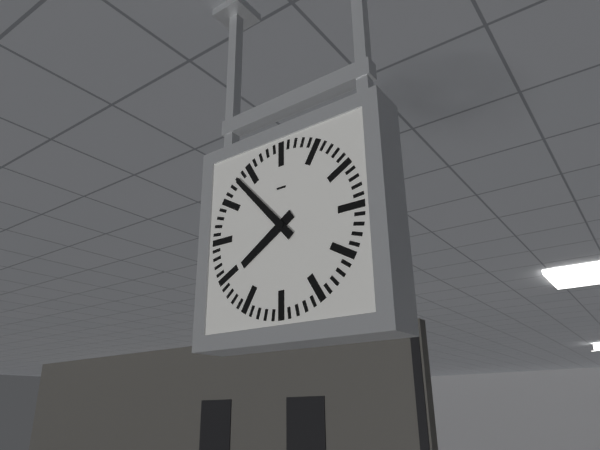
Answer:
7 h 53 min
